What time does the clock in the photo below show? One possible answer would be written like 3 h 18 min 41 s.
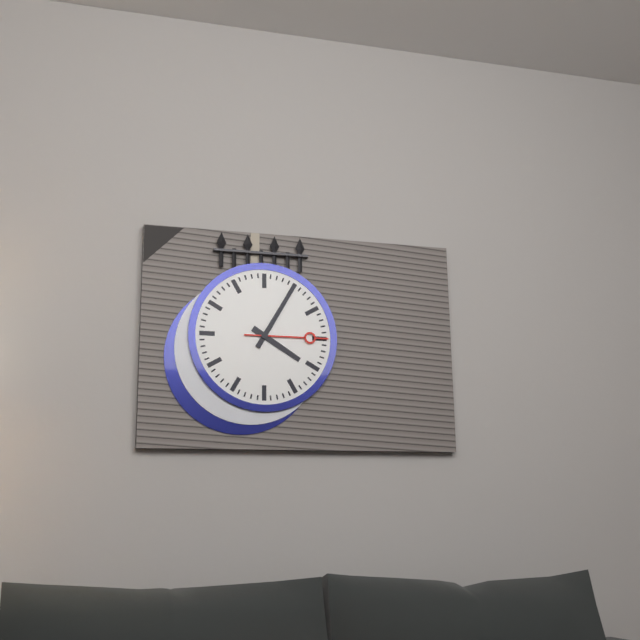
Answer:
4 h 05 min 15 s
